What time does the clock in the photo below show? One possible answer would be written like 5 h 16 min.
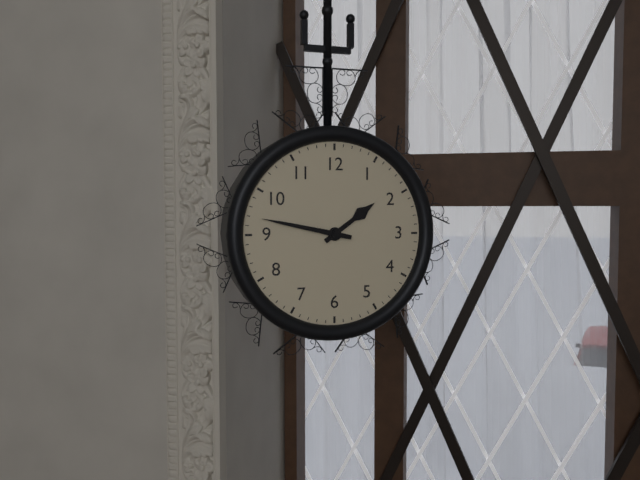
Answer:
1 h 47 min
